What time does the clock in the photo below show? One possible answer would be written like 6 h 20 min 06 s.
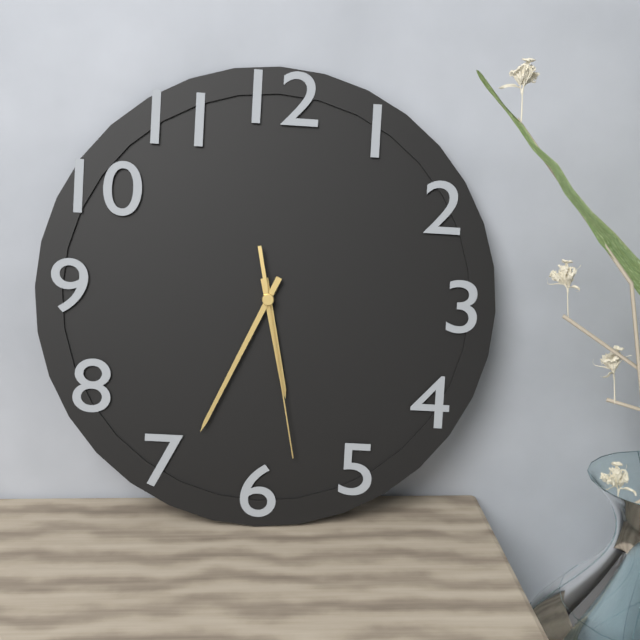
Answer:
5 h 34 min 28 s
